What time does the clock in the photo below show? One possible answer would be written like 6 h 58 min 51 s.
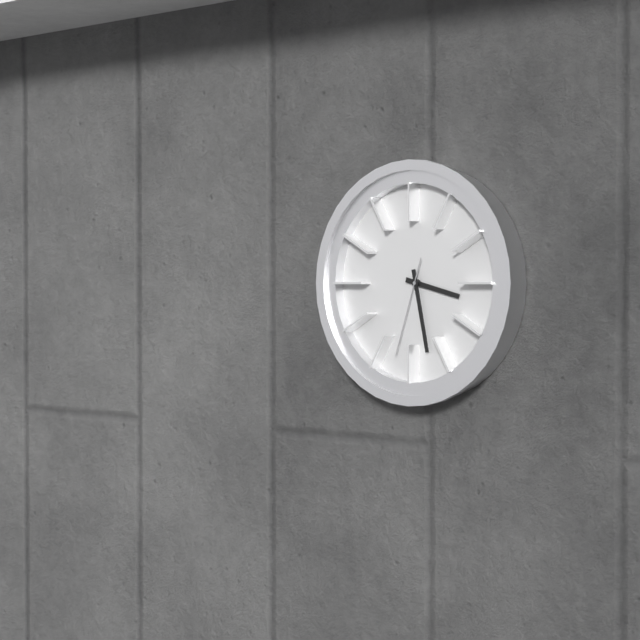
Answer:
3 h 28 min 33 s
